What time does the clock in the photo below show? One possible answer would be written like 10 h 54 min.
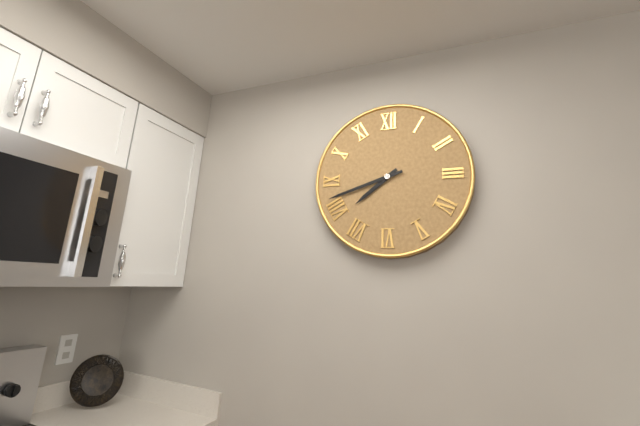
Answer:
7 h 42 min
